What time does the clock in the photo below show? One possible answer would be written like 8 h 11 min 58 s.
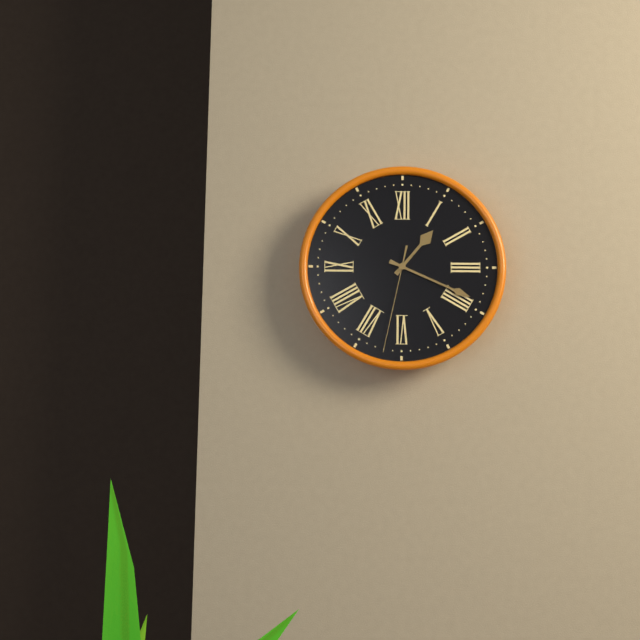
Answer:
1 h 19 min 32 s
